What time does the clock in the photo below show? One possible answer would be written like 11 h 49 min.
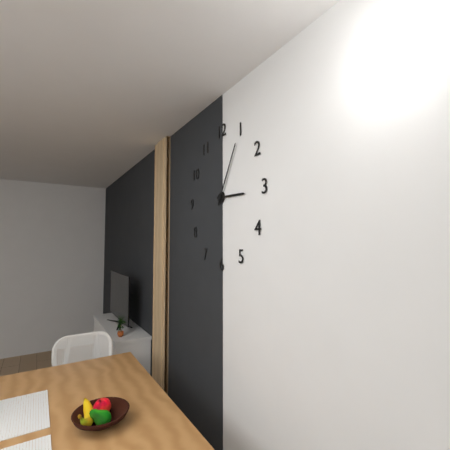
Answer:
3 h 05 min
